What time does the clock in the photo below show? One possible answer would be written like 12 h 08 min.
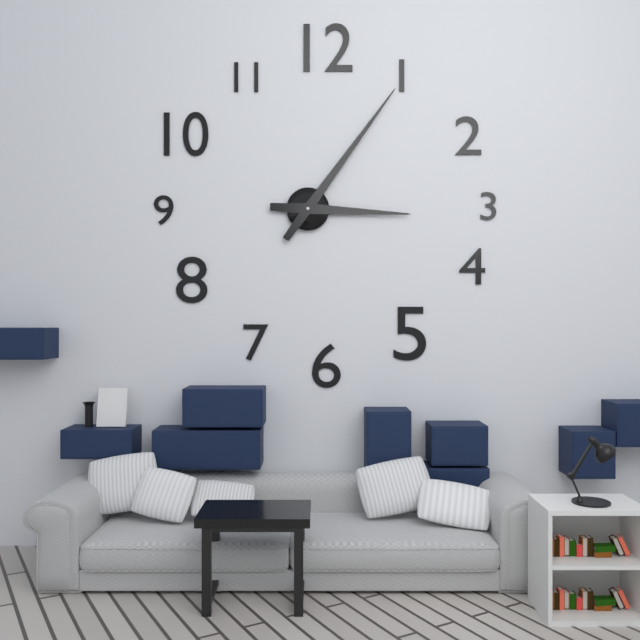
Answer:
3 h 06 min
